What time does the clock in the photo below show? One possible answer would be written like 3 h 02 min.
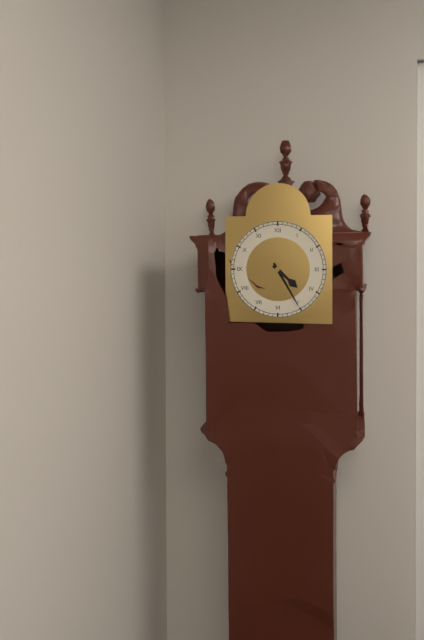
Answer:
4 h 25 min
